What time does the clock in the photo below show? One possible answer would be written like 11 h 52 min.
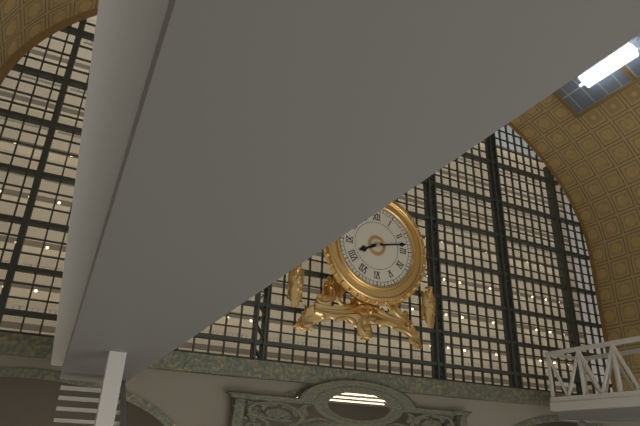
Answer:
8 h 13 min
